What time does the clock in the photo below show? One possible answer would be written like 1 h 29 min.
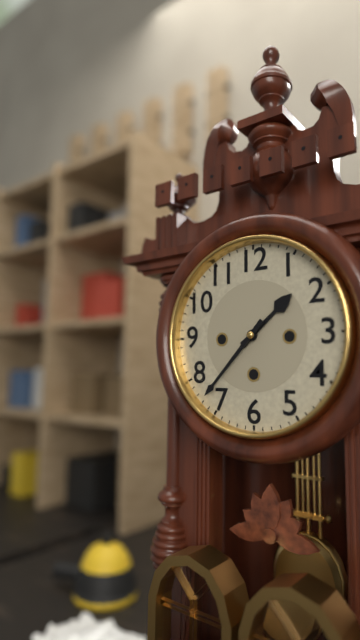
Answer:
1 h 37 min
